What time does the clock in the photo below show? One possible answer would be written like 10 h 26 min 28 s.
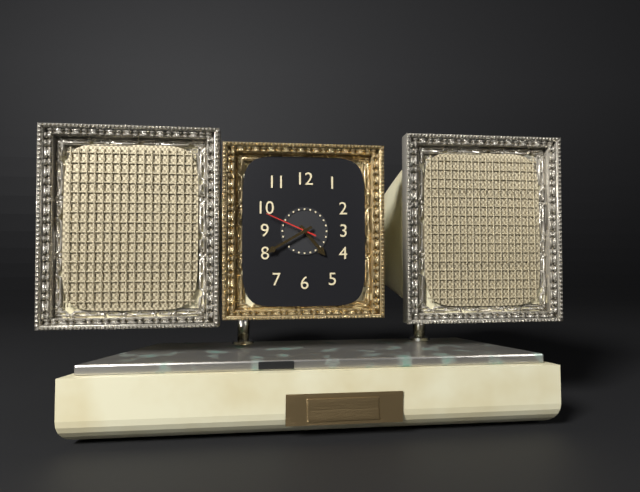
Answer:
4 h 40 min 49 s
